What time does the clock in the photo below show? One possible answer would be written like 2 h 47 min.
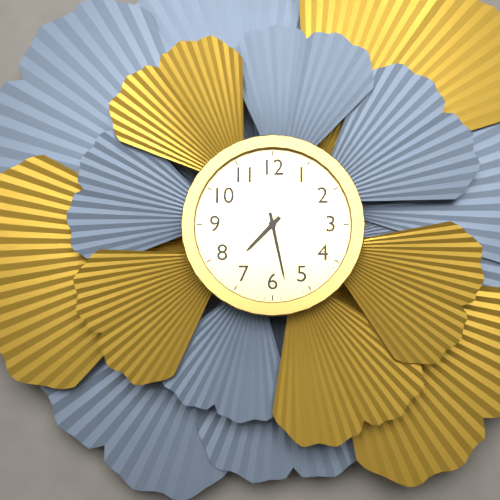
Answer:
7 h 28 min
